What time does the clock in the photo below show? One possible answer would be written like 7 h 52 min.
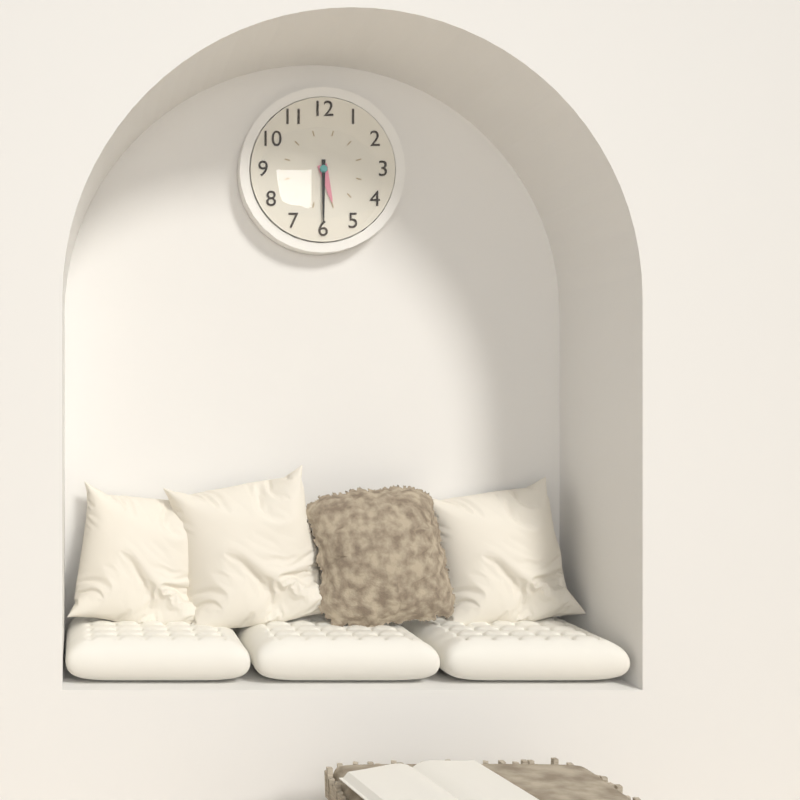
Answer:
5 h 30 min
